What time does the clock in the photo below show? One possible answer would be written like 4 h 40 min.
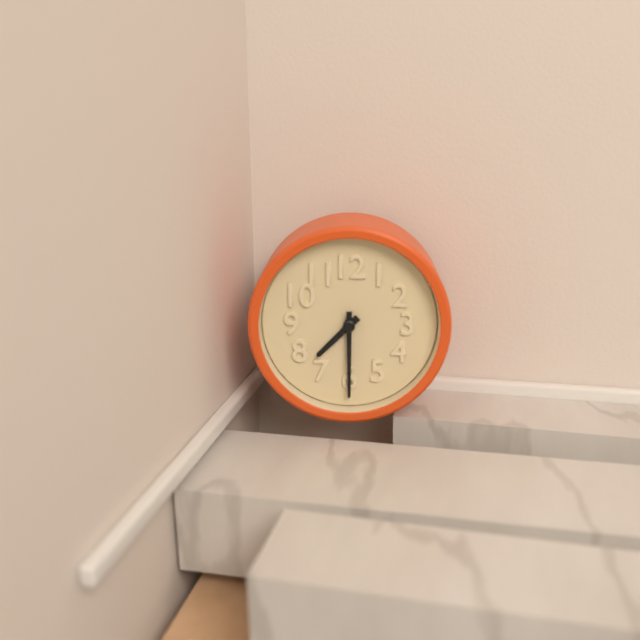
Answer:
7 h 30 min
